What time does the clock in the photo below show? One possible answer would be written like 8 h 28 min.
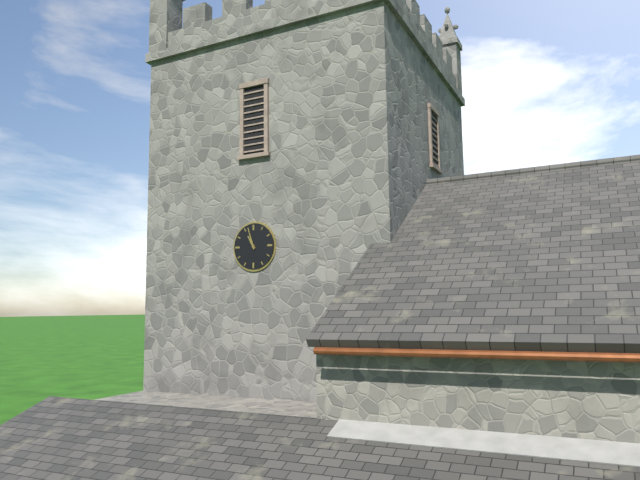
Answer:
10 h 57 min
